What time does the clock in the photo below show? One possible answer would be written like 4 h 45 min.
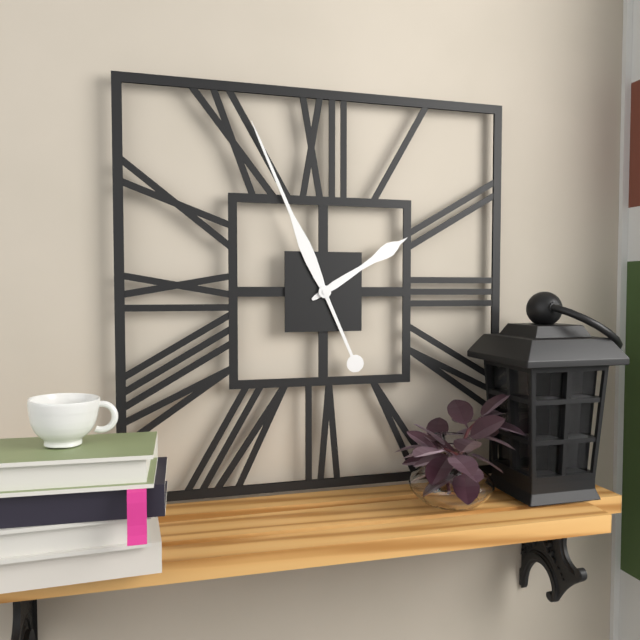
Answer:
1 h 56 min
